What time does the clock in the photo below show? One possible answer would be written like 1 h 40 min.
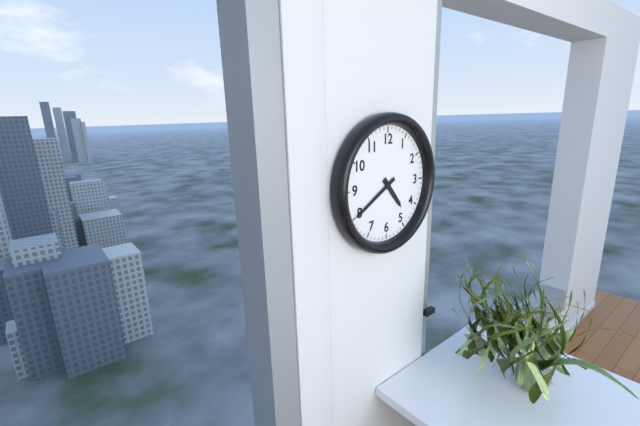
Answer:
4 h 40 min
